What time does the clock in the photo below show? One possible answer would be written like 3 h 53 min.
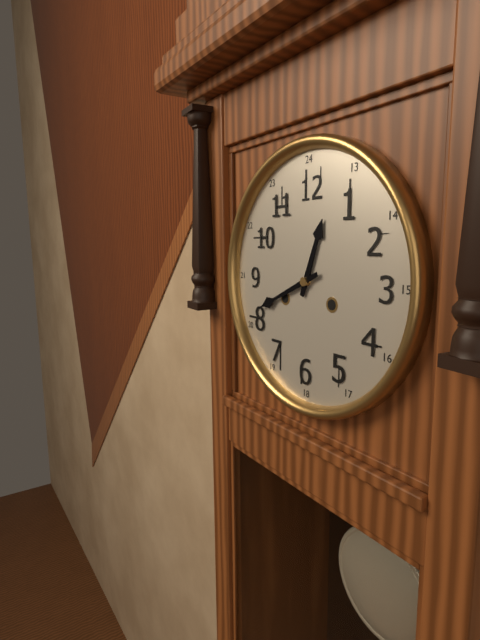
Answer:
12 h 41 min
